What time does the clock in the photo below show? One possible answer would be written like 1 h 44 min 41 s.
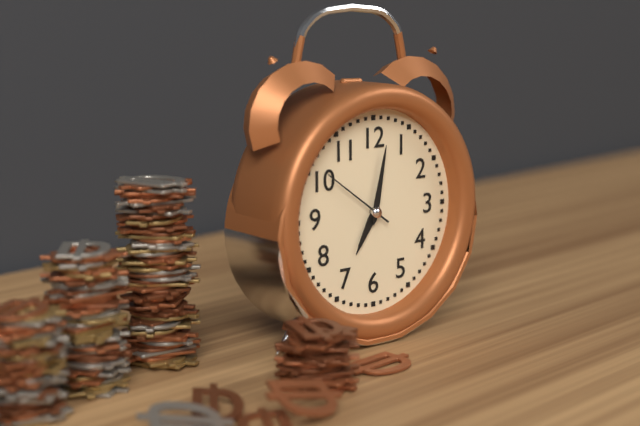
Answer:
7 h 02 min 51 s
